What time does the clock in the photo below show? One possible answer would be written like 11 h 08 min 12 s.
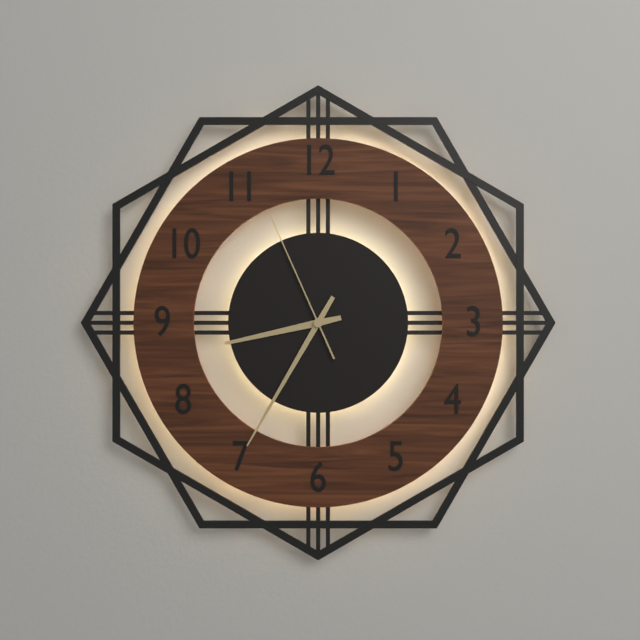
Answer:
8 h 35 min 56 s
